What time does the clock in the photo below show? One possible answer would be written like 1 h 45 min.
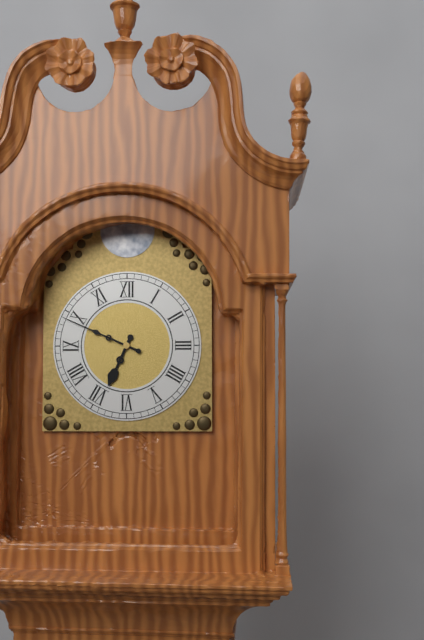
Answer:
6 h 49 min
